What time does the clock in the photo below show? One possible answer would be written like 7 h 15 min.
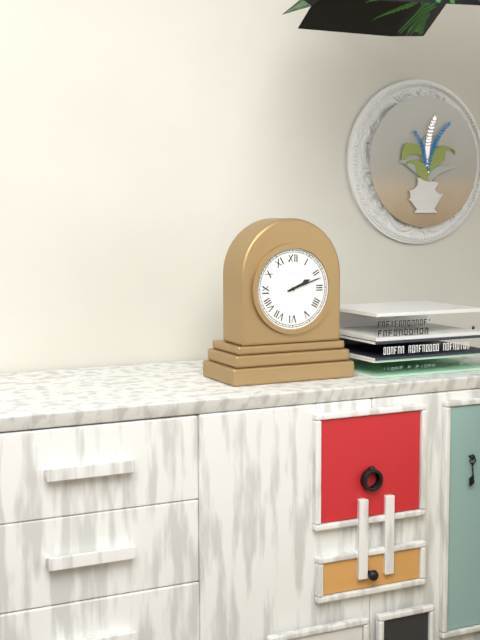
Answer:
2 h 12 min
